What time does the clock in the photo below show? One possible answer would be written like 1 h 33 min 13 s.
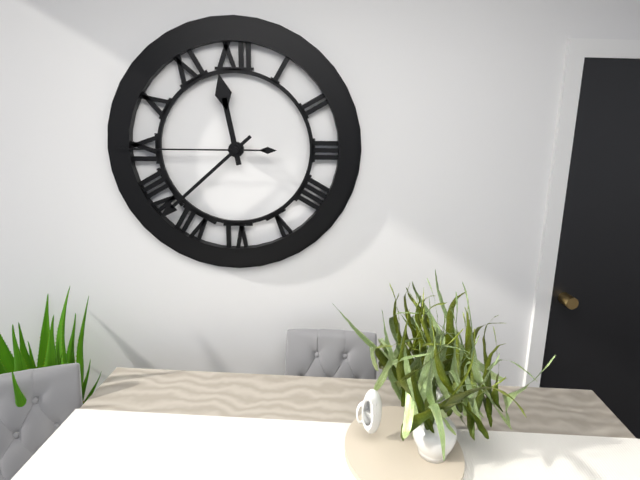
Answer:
11 h 38 min 45 s
